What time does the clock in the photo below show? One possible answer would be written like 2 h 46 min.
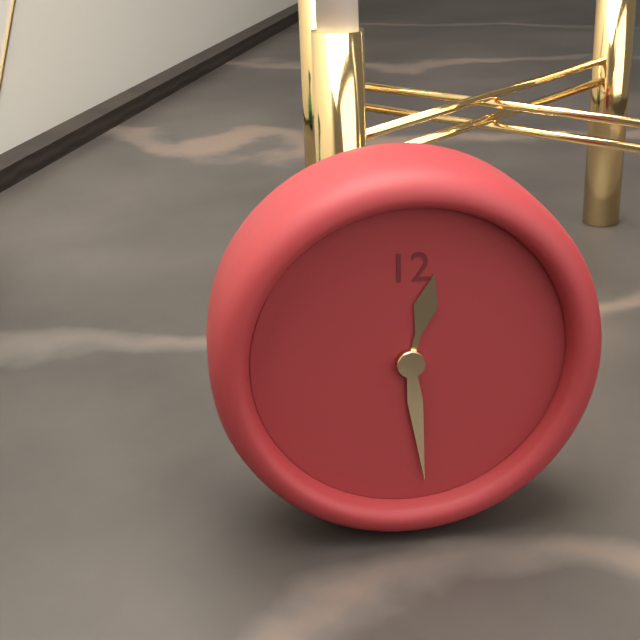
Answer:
12 h 29 min
